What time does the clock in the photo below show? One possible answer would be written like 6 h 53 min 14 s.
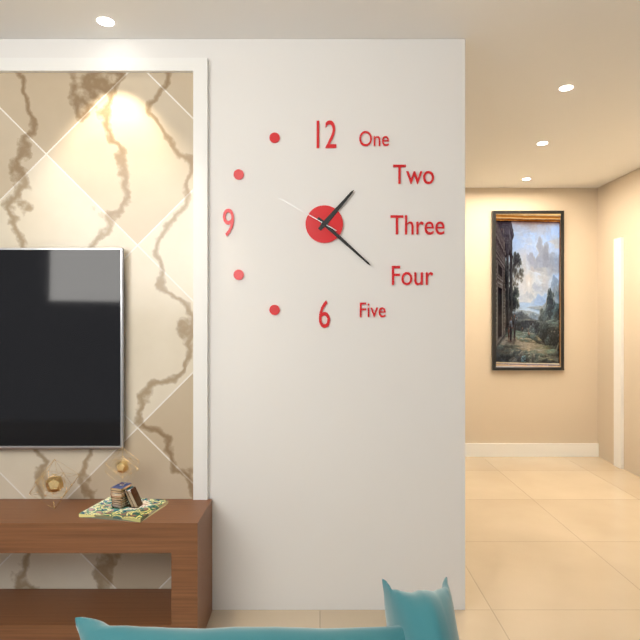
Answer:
1 h 22 min 50 s
